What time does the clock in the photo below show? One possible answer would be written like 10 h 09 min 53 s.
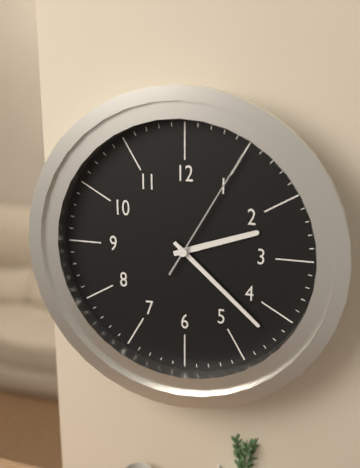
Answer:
2 h 22 min 05 s
